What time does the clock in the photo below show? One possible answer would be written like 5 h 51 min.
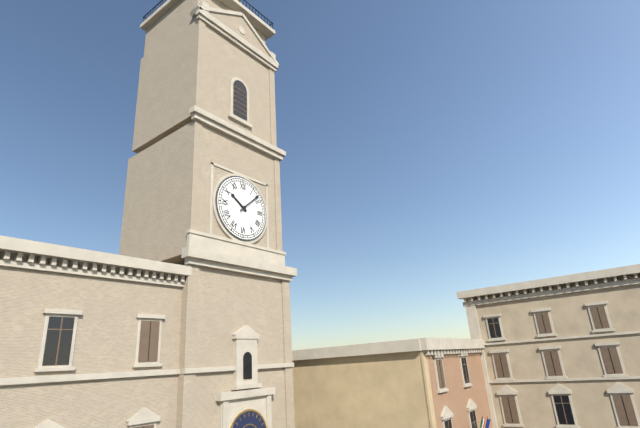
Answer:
10 h 08 min
